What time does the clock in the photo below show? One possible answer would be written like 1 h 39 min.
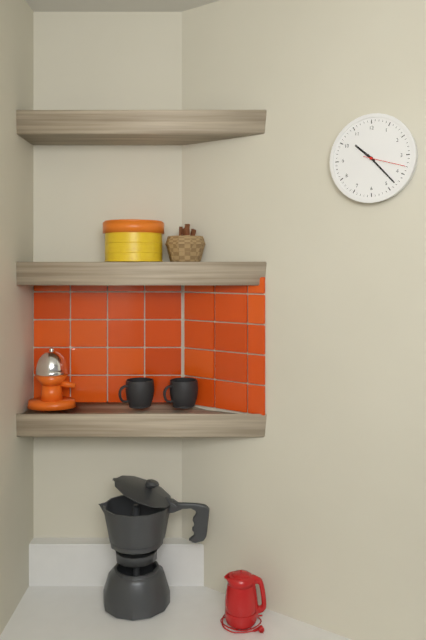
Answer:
10 h 23 min
